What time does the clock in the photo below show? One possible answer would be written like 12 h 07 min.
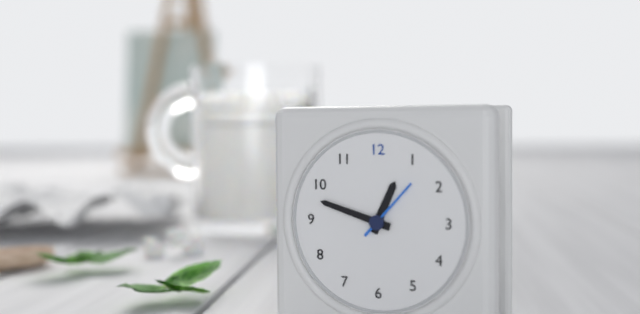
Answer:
12 h 48 min
